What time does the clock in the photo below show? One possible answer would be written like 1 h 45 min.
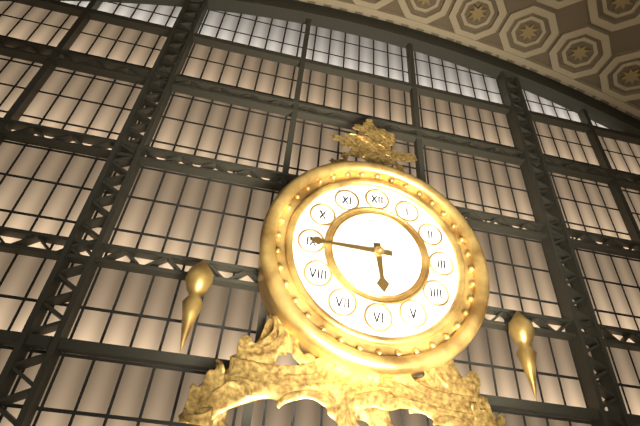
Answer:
5 h 45 min
